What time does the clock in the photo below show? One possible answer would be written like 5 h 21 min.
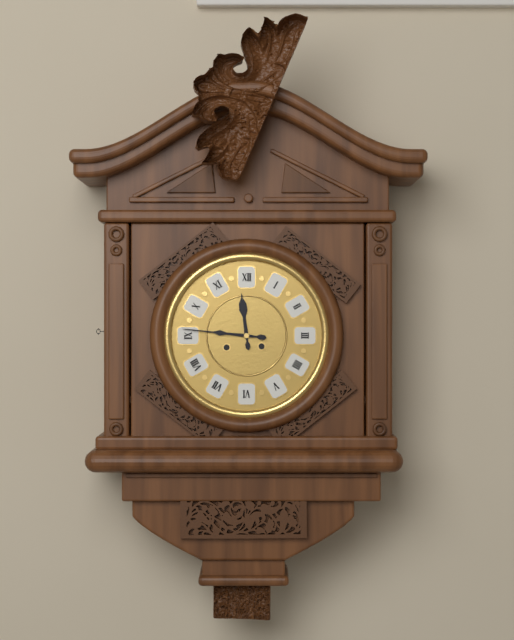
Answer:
11 h 46 min
